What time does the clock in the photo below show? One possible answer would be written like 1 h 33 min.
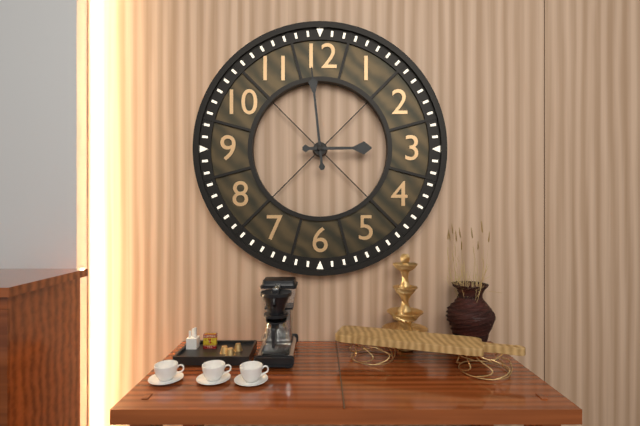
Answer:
2 h 59 min
